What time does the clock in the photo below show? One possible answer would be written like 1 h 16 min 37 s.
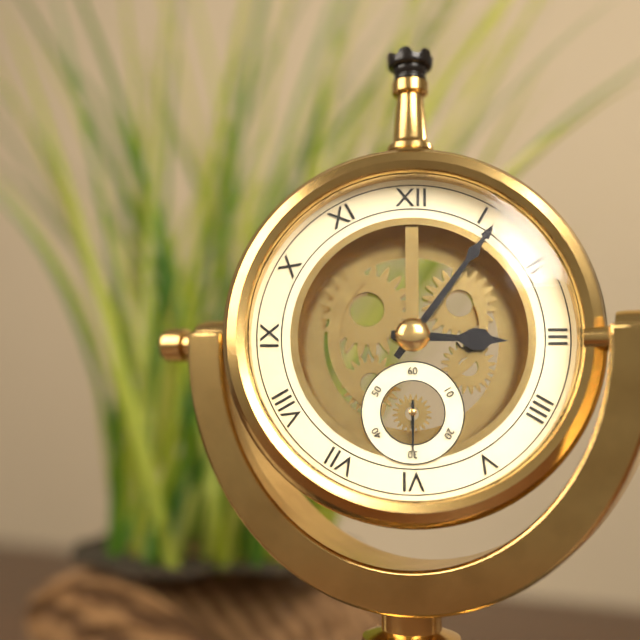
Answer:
3 h 06 min 30 s
